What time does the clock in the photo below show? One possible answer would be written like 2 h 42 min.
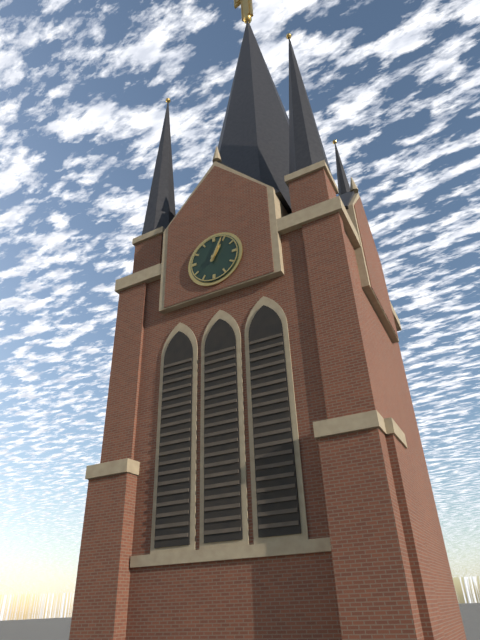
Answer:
1 h 04 min
